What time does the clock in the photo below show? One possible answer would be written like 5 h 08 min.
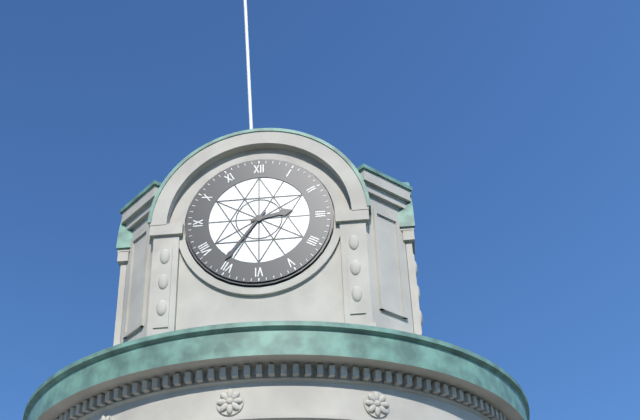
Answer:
2 h 36 min
